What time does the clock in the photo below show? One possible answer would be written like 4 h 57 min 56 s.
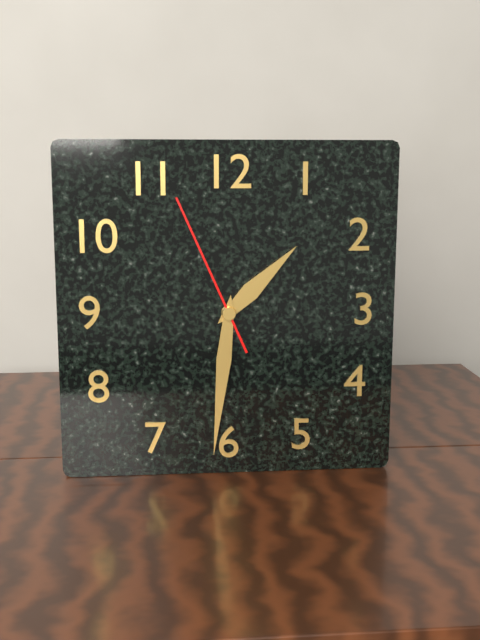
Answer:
1 h 31 min 56 s
